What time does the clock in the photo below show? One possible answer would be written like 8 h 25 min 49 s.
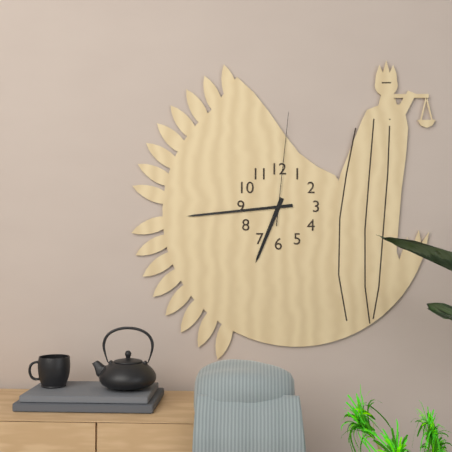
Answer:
6 h 44 min 01 s
